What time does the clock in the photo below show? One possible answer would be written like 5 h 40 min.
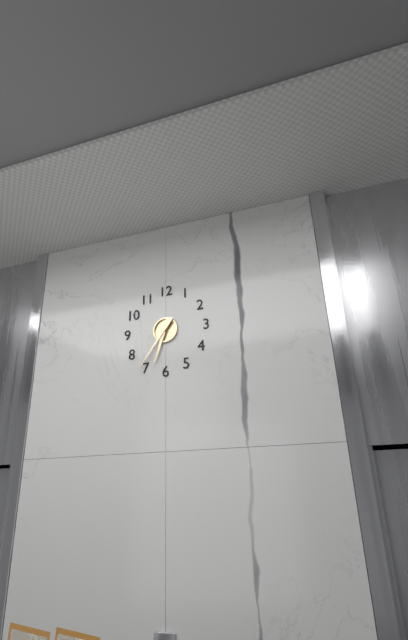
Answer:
6 h 36 min
